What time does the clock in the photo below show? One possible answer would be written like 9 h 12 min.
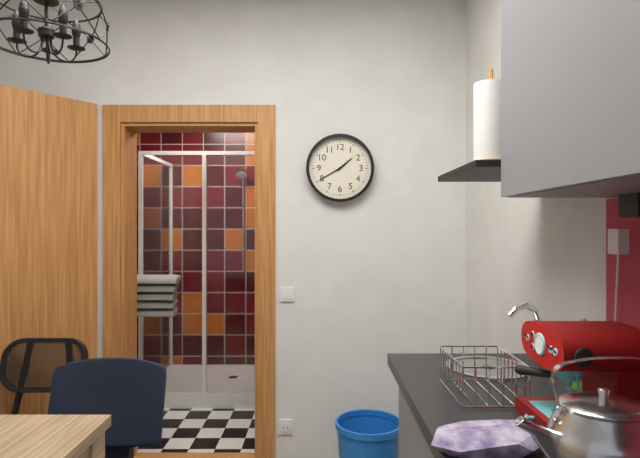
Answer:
1 h 40 min
